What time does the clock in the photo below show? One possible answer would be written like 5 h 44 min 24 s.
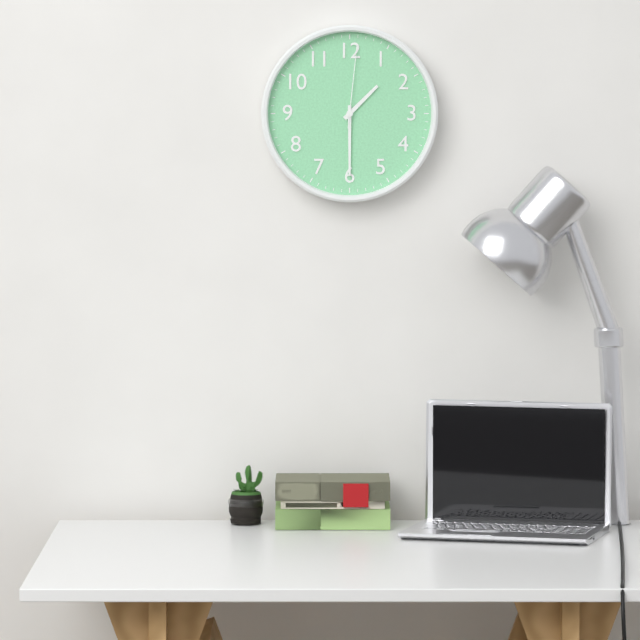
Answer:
1 h 30 min 01 s
